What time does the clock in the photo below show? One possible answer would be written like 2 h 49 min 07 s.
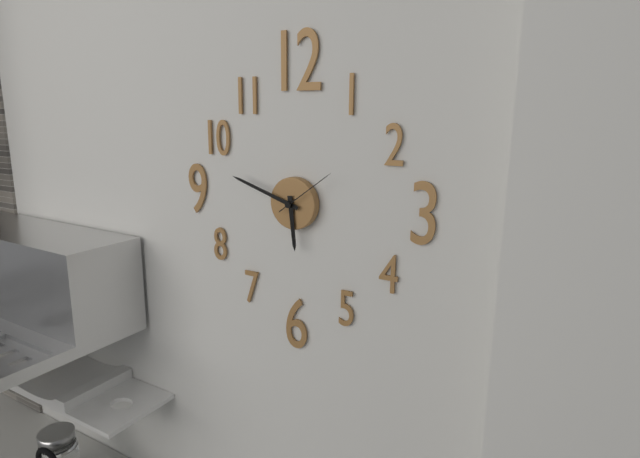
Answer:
5 h 48 min 09 s
